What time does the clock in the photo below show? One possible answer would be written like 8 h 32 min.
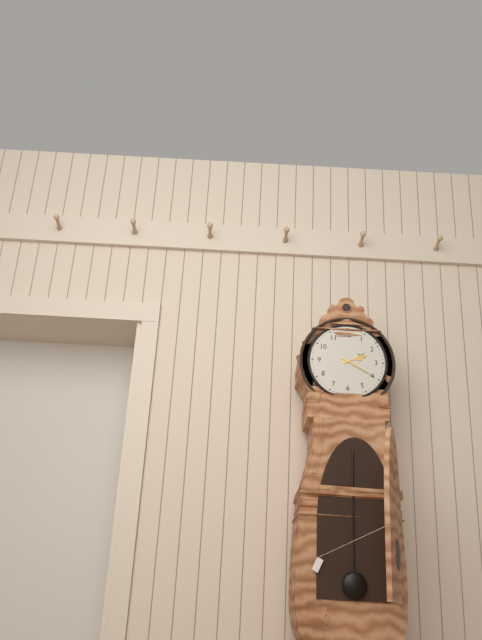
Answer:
2 h 20 min
